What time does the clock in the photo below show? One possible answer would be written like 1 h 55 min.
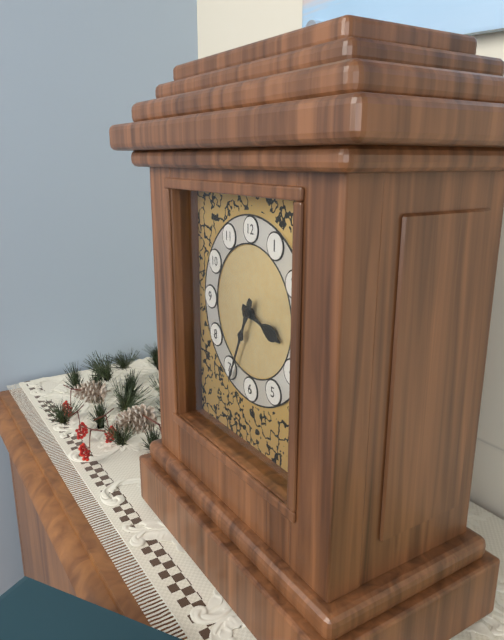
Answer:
3 h 34 min
